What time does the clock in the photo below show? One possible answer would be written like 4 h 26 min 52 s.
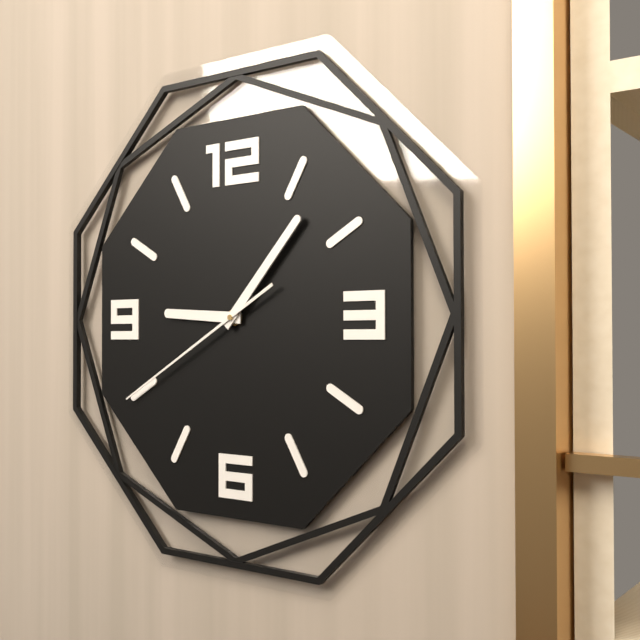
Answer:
9 h 07 min 40 s
